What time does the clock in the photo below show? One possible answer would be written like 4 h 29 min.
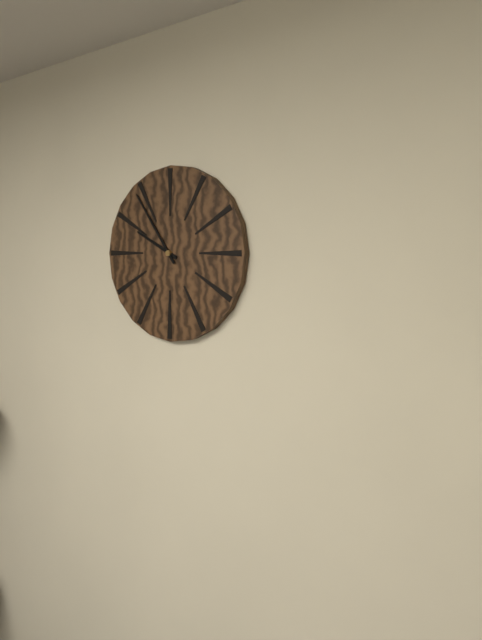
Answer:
9 h 54 min
